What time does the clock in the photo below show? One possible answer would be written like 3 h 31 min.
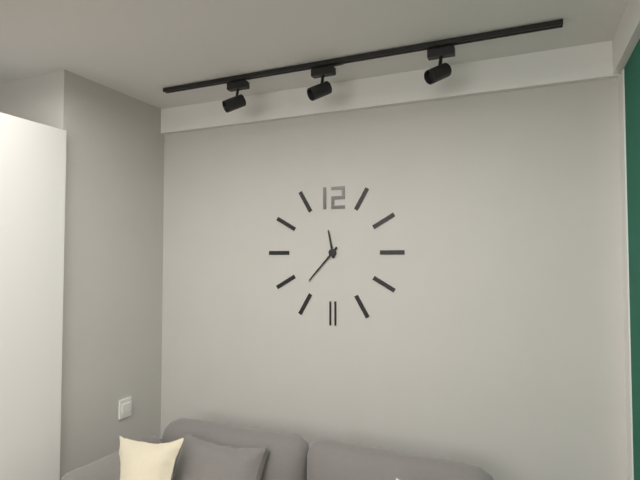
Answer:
11 h 37 min
